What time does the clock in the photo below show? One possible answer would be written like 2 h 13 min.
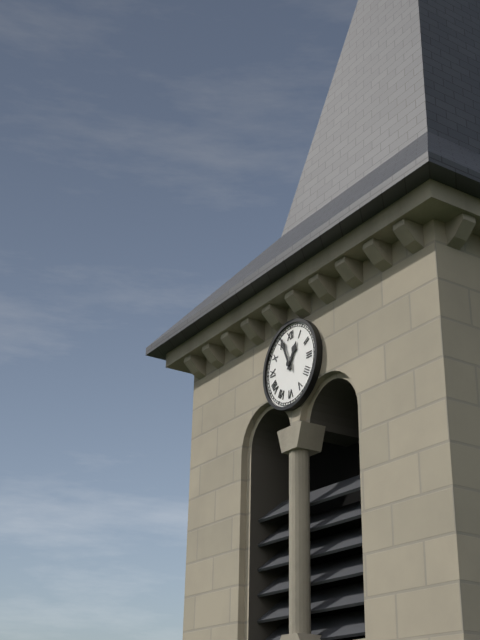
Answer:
12 h 56 min
